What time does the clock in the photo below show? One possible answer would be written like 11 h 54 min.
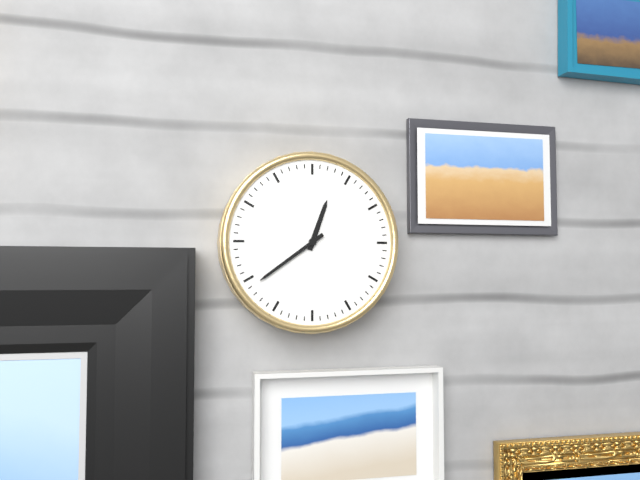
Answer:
12 h 39 min
